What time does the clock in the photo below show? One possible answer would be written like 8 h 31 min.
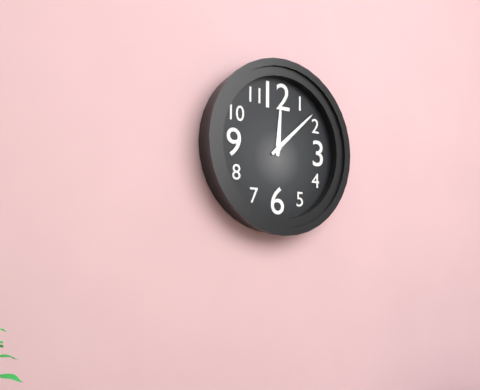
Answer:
12 h 08 min
